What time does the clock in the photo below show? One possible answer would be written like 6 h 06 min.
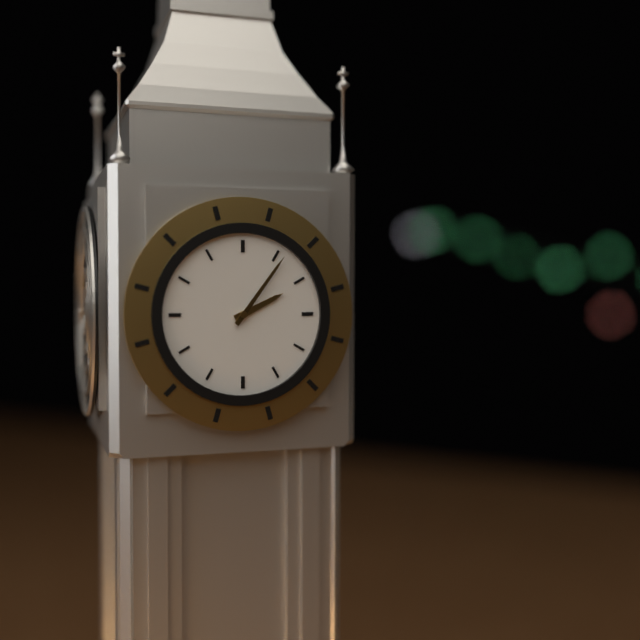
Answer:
2 h 06 min
